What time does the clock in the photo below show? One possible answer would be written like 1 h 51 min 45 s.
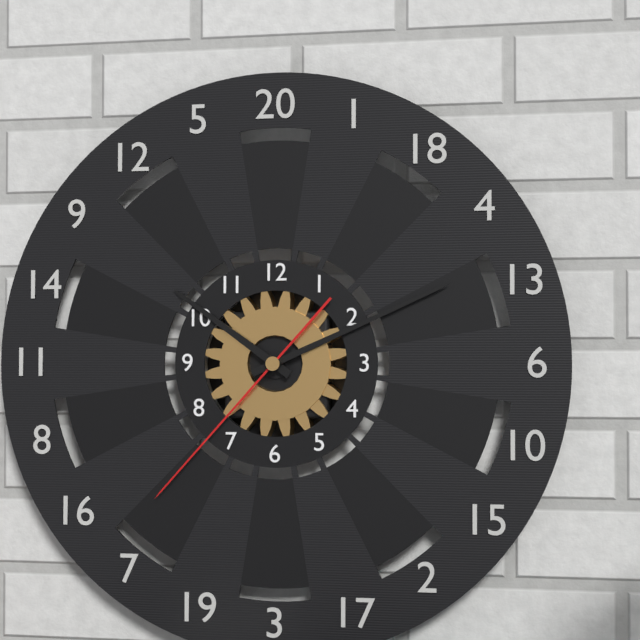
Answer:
10 h 11 min 37 s
